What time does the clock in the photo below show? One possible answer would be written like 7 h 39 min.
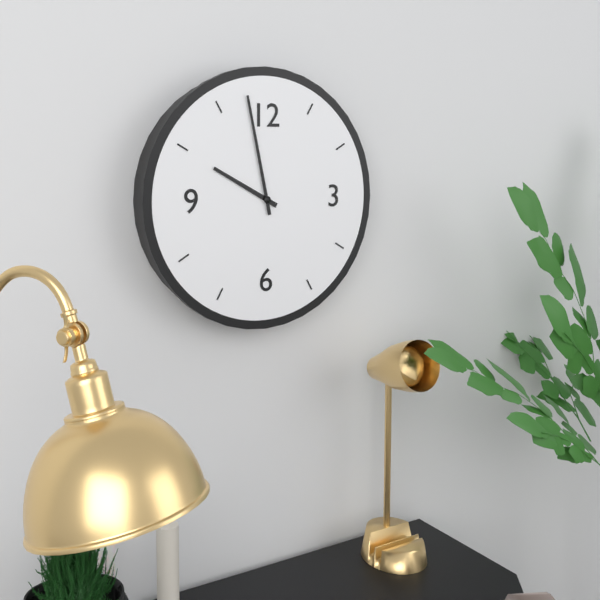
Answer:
9 h 58 min
